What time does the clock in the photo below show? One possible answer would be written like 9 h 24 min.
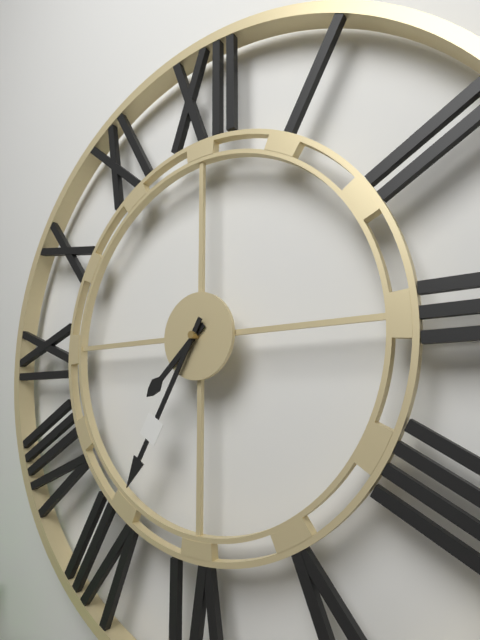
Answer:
7 h 35 min
